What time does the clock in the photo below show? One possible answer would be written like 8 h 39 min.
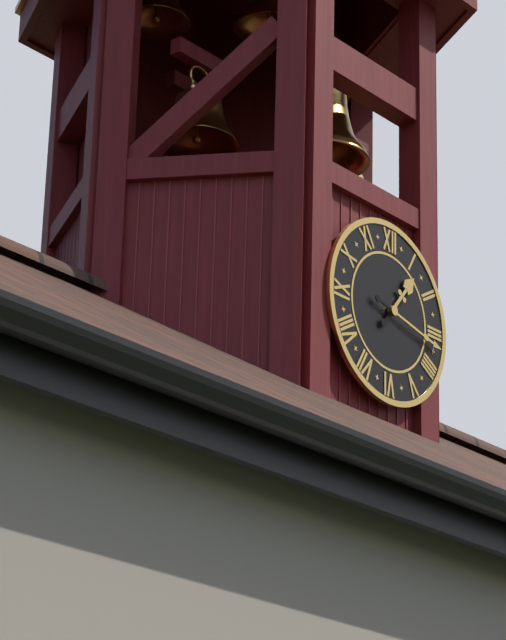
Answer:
1 h 17 min
